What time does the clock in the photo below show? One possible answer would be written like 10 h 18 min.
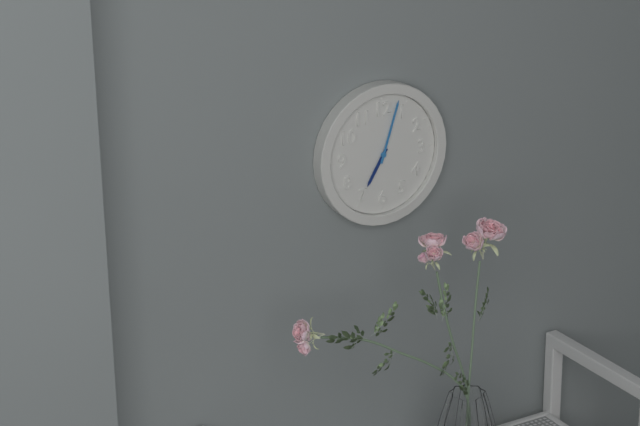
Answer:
7 h 03 min
